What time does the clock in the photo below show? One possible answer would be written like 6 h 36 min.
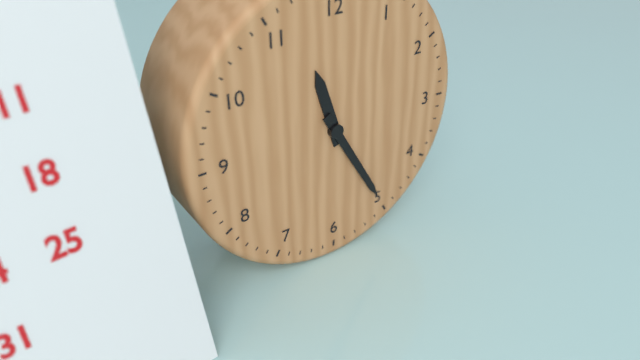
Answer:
11 h 25 min
